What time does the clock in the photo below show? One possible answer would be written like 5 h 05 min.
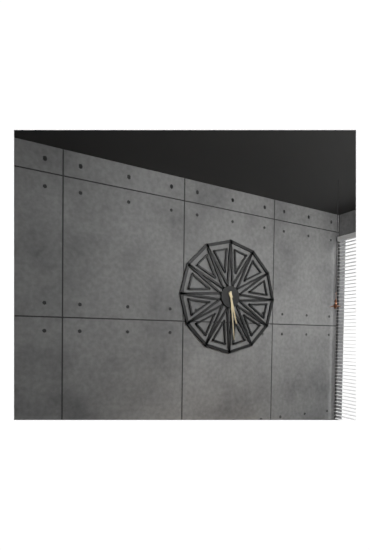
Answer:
5 h 29 min
